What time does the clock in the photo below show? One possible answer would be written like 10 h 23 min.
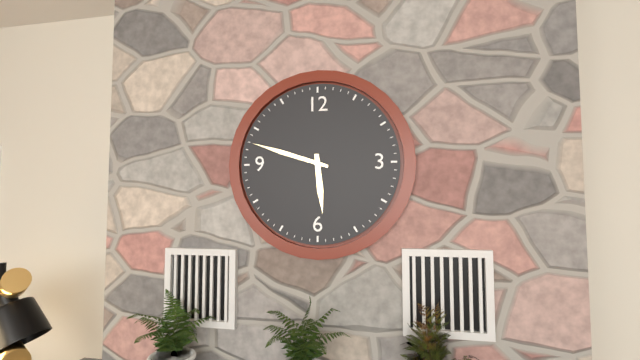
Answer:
5 h 48 min
